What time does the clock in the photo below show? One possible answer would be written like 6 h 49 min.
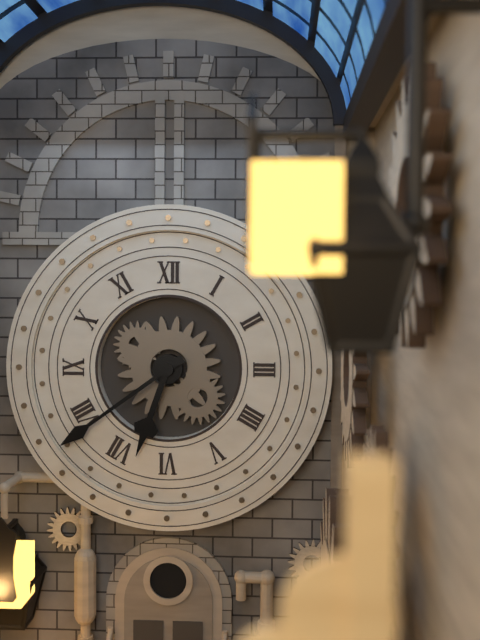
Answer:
6 h 39 min
